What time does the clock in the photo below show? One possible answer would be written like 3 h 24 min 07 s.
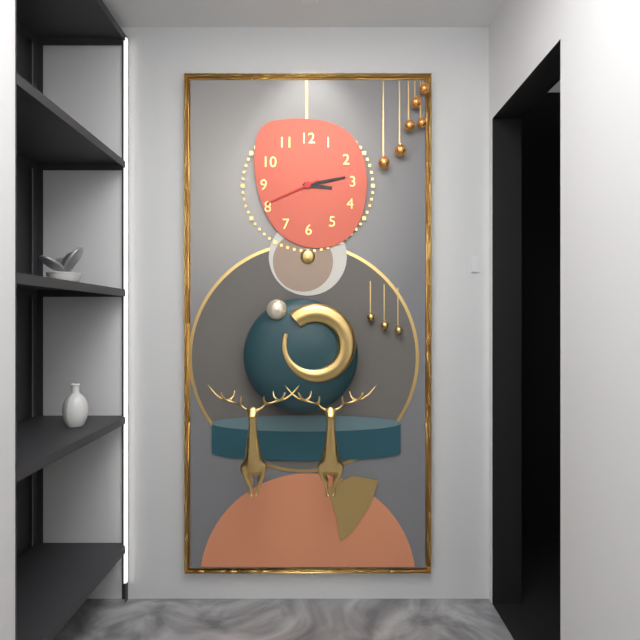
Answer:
3 h 13 min 41 s
